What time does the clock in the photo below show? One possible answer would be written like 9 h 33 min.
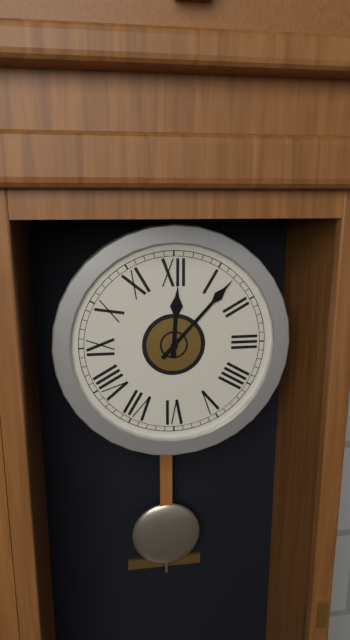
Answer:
12 h 07 min
